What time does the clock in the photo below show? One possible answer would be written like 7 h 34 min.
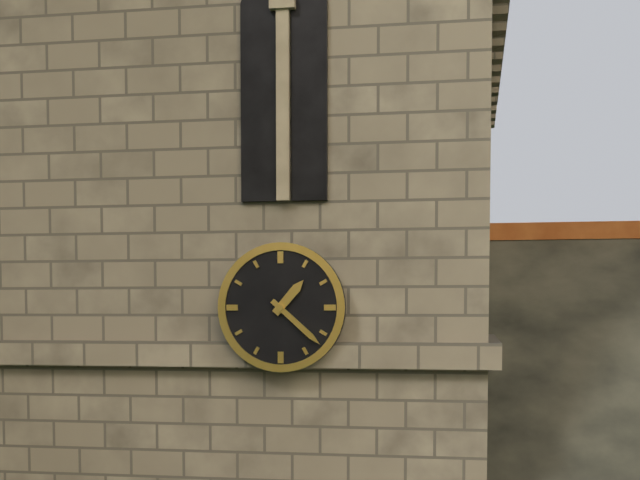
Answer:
1 h 22 min
